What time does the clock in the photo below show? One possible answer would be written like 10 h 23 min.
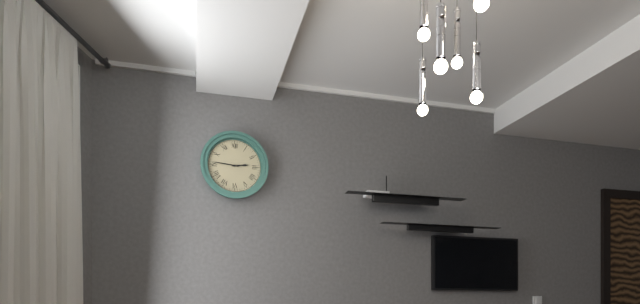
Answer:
2 h 46 min
